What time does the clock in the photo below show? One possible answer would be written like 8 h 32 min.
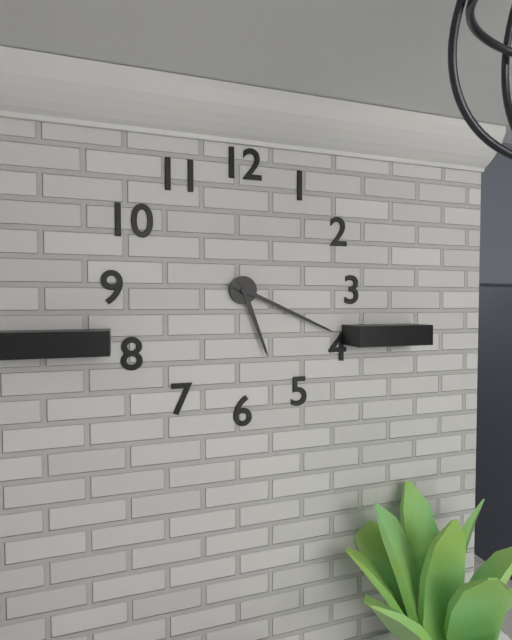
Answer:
5 h 19 min
